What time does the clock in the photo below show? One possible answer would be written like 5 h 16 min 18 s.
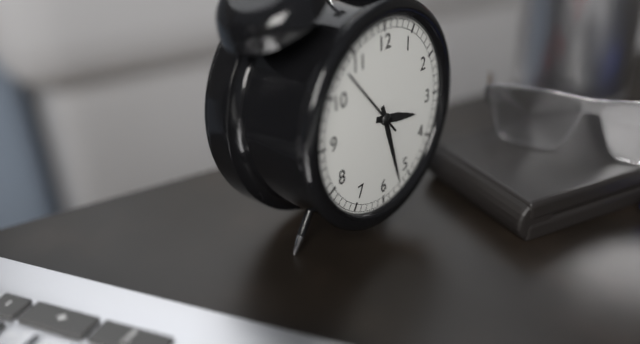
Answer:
3 h 27 min 53 s
